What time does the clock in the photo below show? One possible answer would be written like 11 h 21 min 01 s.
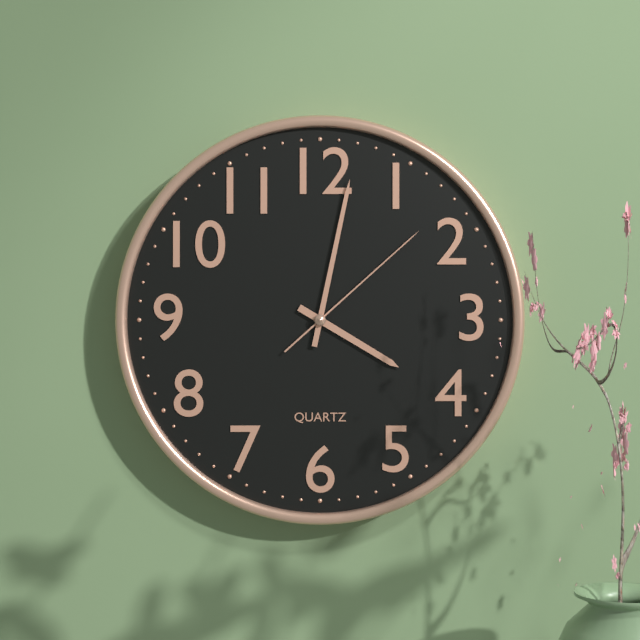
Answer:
4 h 02 min 08 s
